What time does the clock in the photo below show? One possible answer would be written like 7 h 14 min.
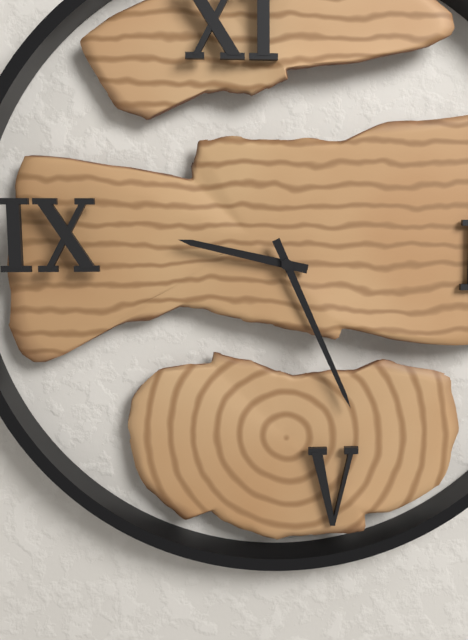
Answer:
9 h 26 min
